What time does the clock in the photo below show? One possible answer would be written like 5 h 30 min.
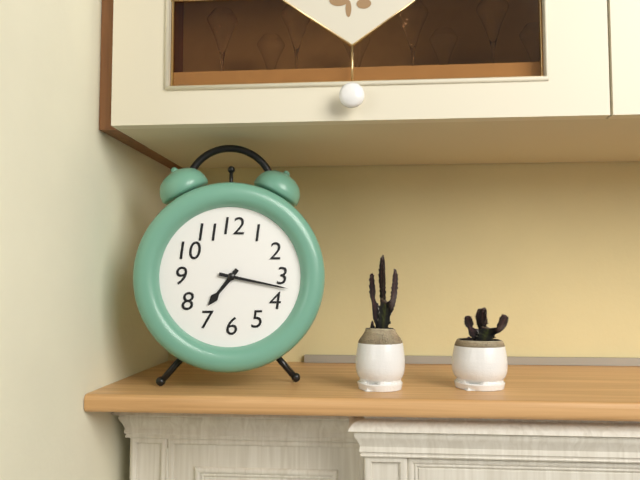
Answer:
7 h 17 min
